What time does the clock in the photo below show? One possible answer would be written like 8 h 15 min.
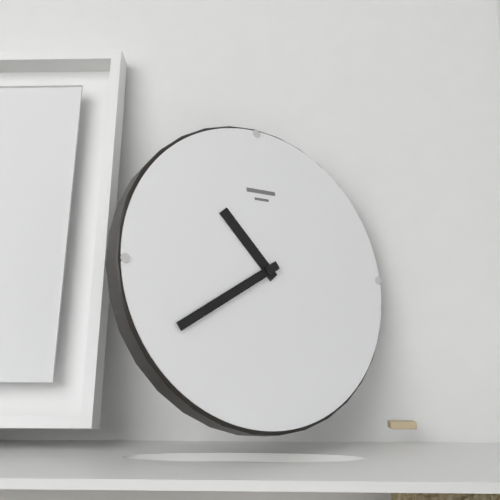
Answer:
10 h 40 min
